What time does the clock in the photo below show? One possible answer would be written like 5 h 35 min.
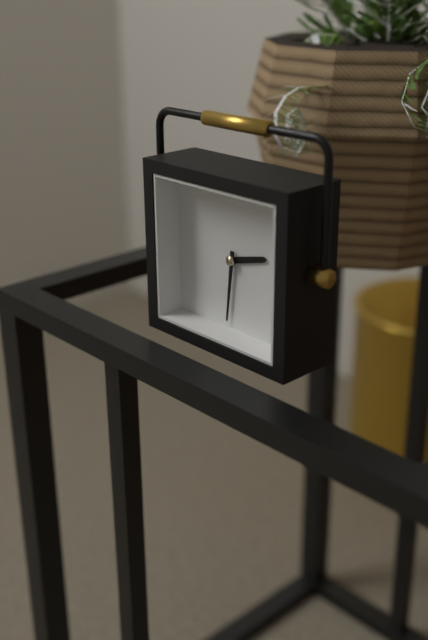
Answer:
2 h 31 min
